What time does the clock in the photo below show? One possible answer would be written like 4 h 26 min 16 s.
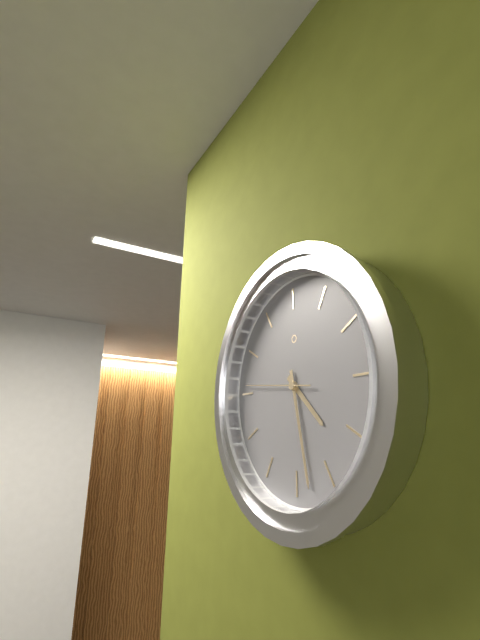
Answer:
4 h 28 min 46 s
